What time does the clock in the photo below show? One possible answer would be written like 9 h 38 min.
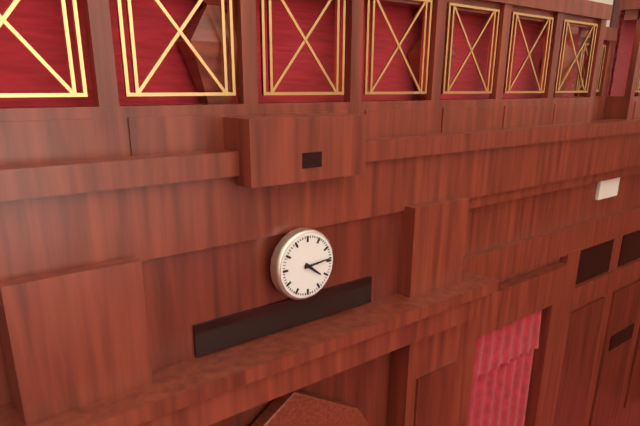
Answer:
4 h 14 min
